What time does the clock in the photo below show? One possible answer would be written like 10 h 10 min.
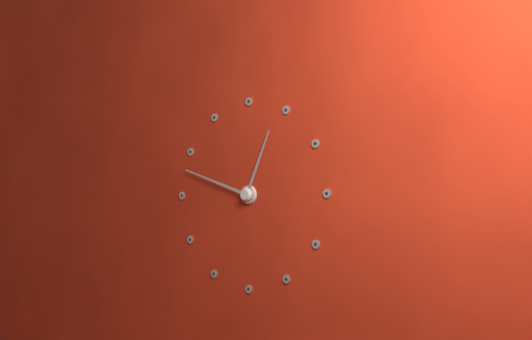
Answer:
12 h 48 min
